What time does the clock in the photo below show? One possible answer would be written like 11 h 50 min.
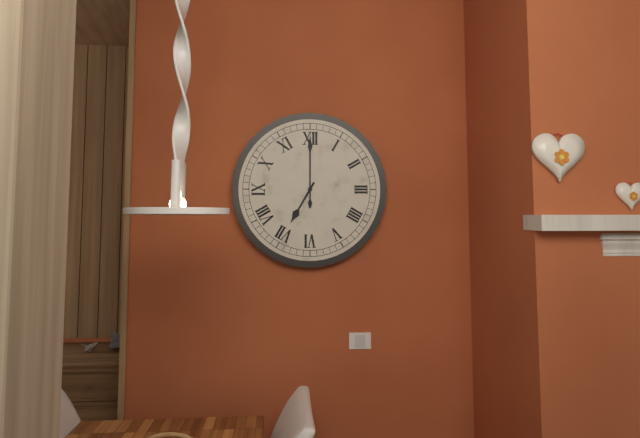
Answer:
7 h 00 min
